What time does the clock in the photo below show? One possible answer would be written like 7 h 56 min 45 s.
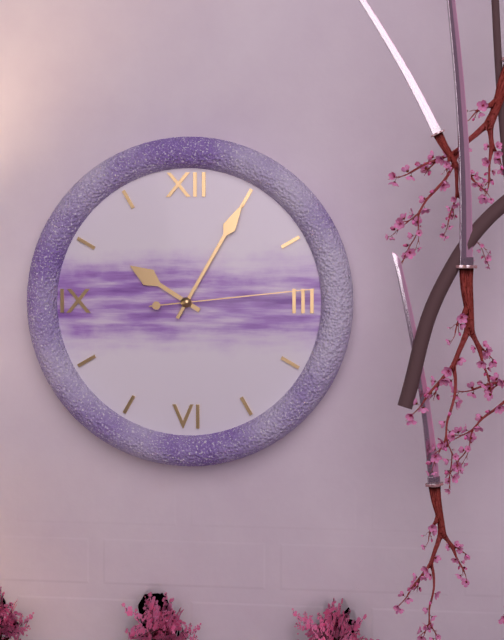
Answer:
10 h 05 min 14 s
